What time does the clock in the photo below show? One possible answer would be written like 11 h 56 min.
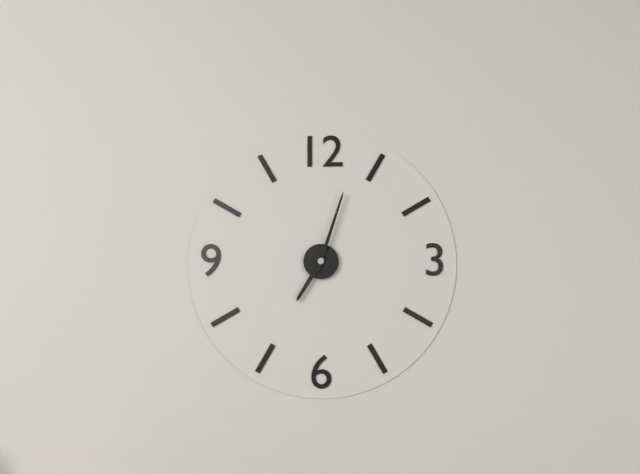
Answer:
7 h 03 min
